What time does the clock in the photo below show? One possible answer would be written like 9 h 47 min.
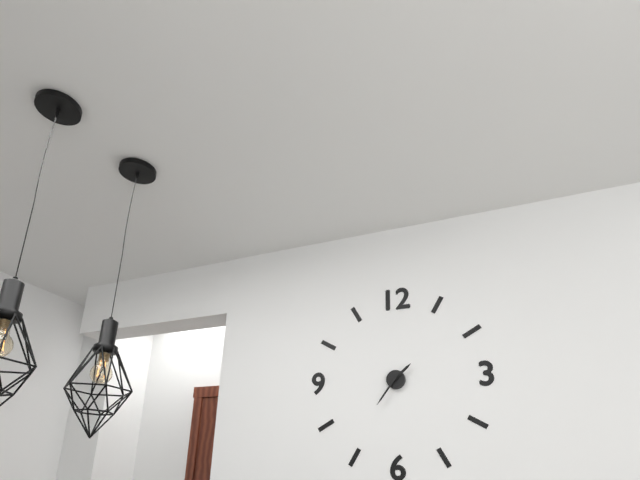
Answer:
1 h 36 min
